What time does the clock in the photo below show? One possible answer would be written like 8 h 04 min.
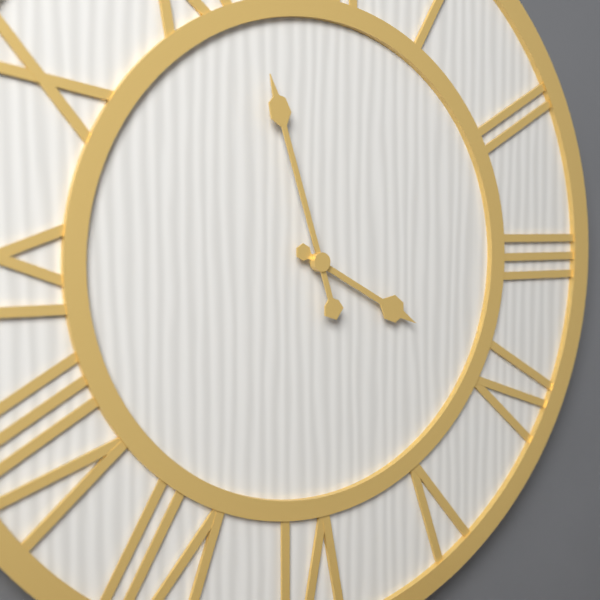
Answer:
3 h 57 min
